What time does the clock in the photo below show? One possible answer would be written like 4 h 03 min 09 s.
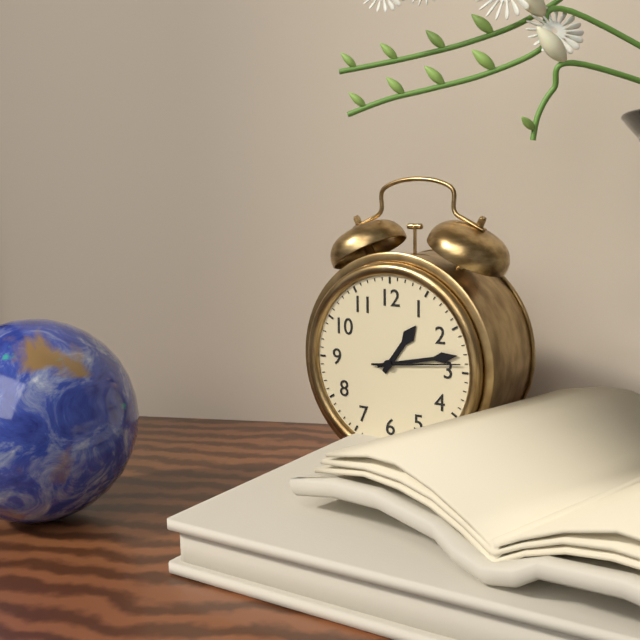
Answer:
1 h 13 min 14 s
